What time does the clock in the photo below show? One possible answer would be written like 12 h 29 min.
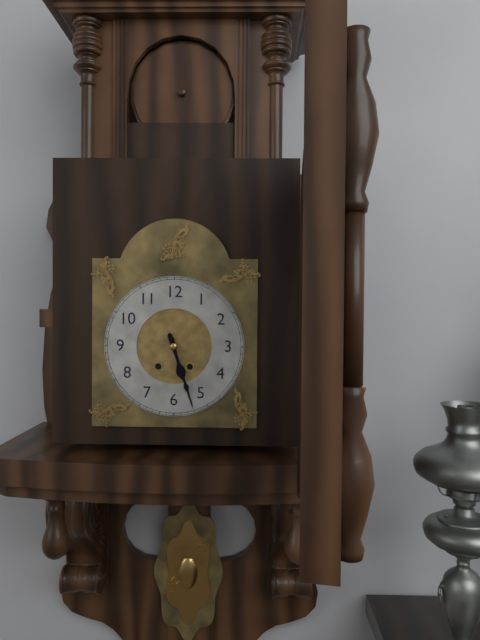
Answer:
5 h 27 min
